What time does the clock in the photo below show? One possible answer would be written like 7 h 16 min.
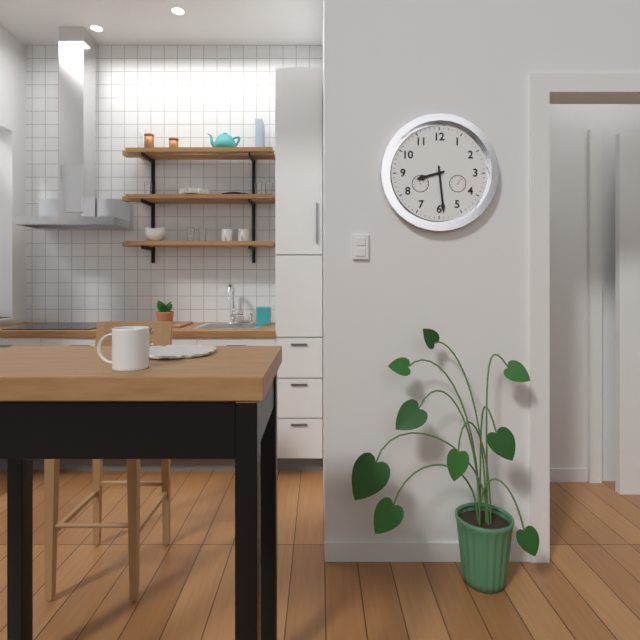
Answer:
8 h 29 min
